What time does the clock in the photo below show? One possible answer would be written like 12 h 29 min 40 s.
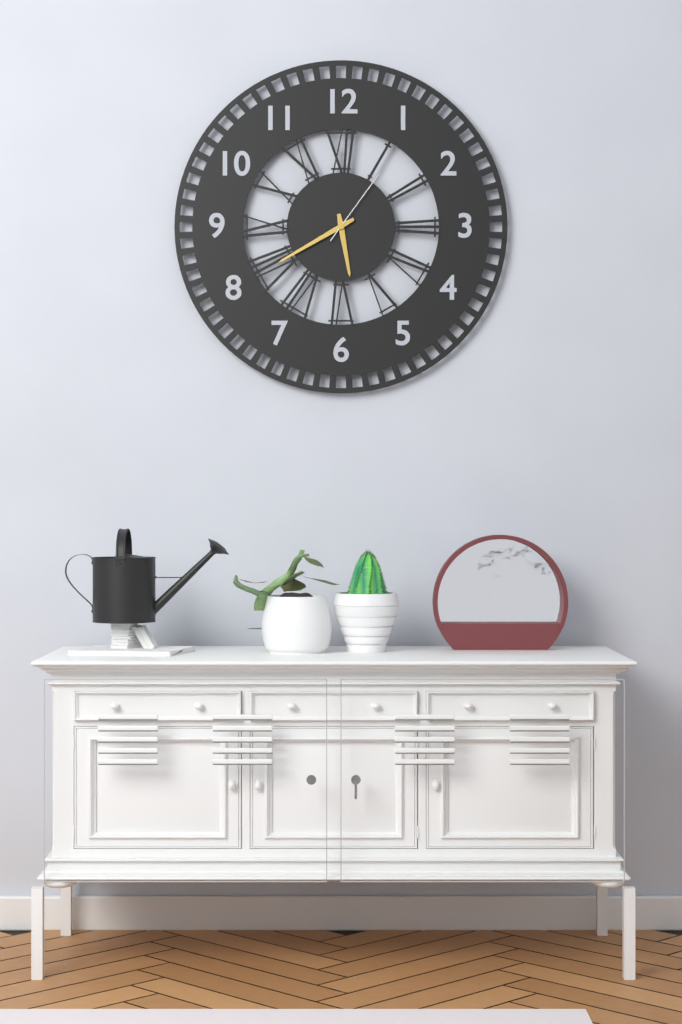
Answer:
5 h 40 min 06 s
